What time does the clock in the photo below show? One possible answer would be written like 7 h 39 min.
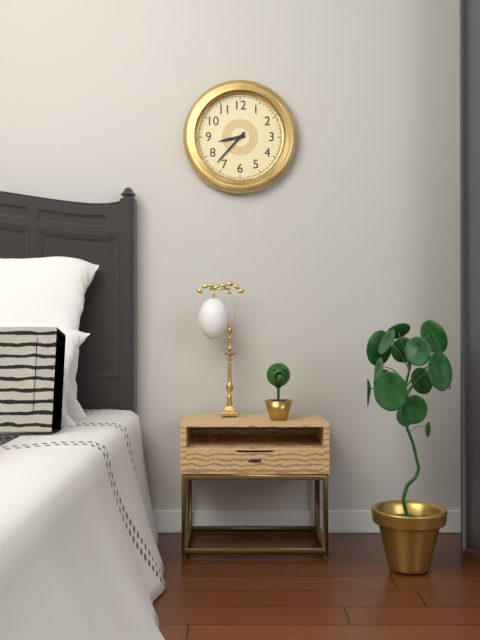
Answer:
8 h 37 min
